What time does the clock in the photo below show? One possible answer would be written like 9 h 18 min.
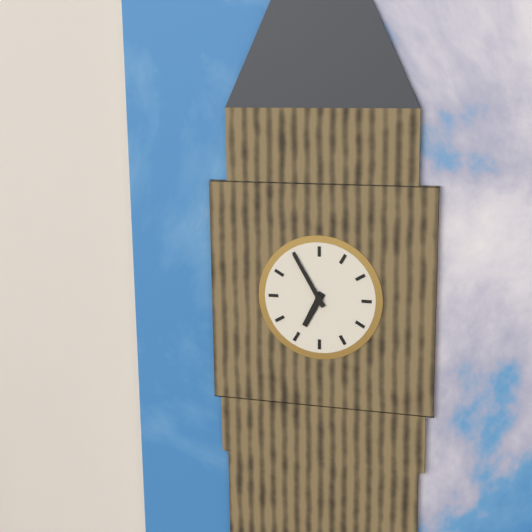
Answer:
6 h 55 min
